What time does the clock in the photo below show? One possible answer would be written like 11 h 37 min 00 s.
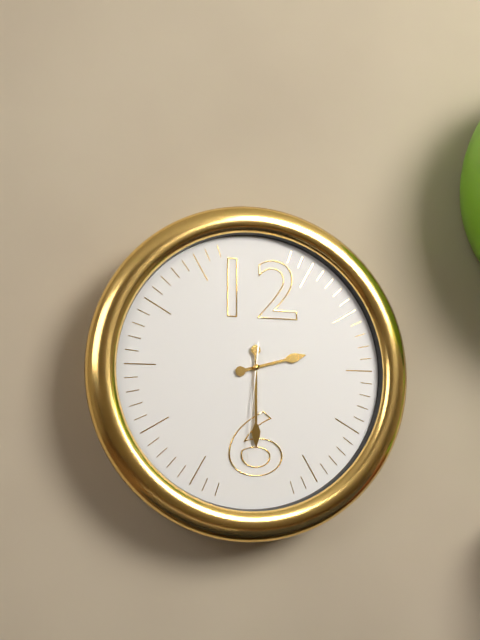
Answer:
2 h 30 min 31 s
